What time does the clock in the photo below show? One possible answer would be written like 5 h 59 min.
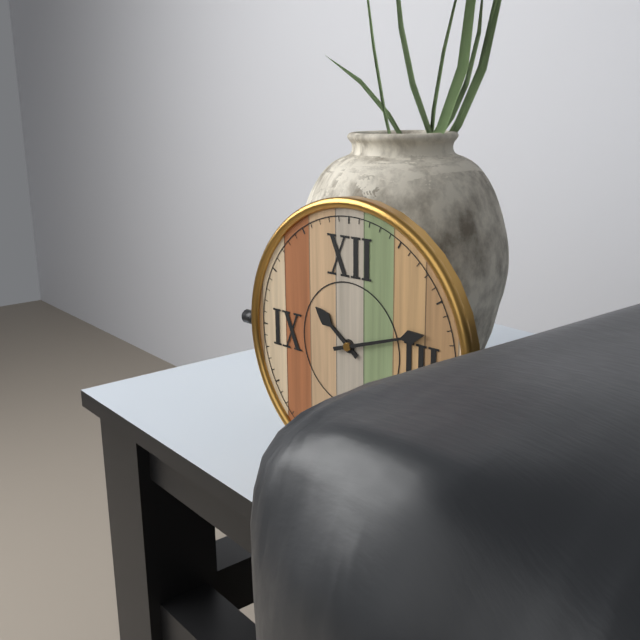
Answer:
10 h 12 min
